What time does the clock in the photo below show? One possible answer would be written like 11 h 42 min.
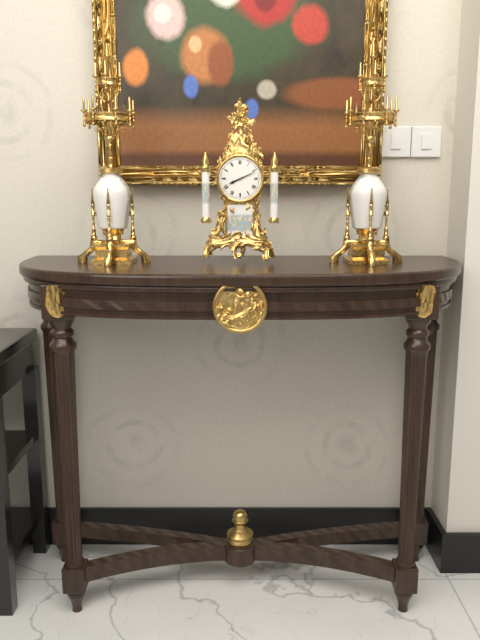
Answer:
8 h 11 min
